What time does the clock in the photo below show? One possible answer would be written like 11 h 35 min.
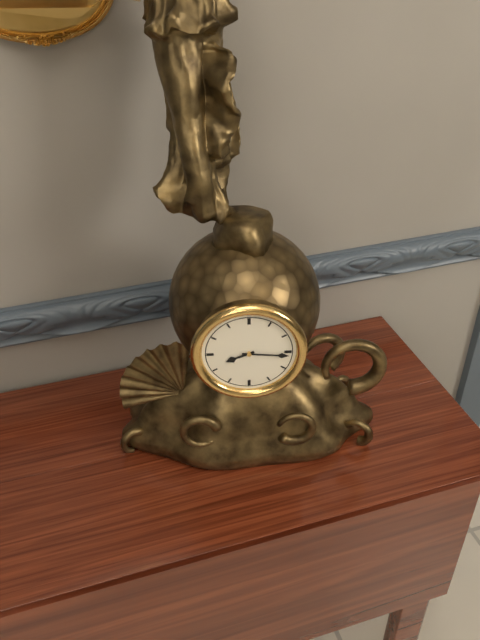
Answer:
8 h 16 min
